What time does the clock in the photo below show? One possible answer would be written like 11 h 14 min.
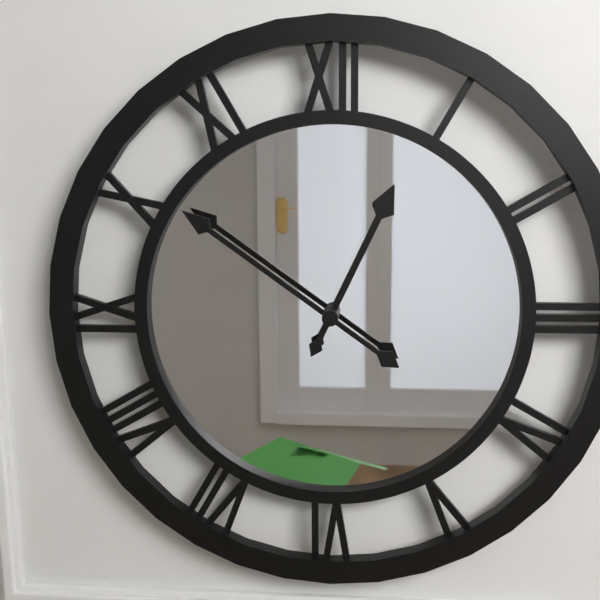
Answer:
12 h 51 min
